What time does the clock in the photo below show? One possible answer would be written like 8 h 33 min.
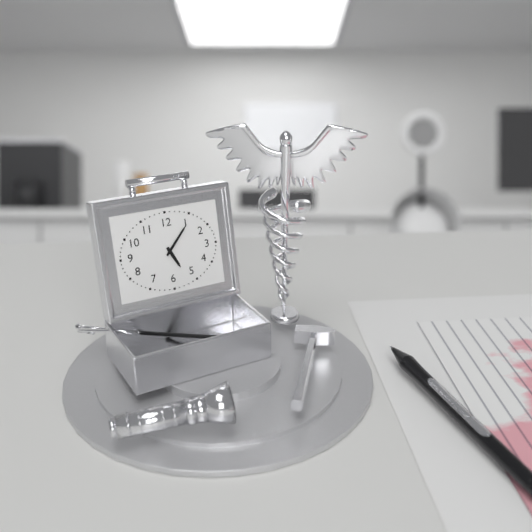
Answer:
5 h 07 min
